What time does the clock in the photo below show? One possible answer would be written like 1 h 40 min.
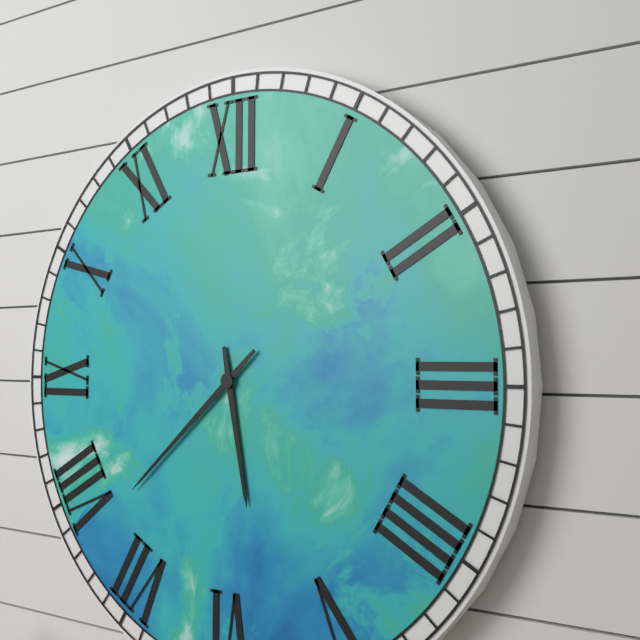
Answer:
5 h 38 min
